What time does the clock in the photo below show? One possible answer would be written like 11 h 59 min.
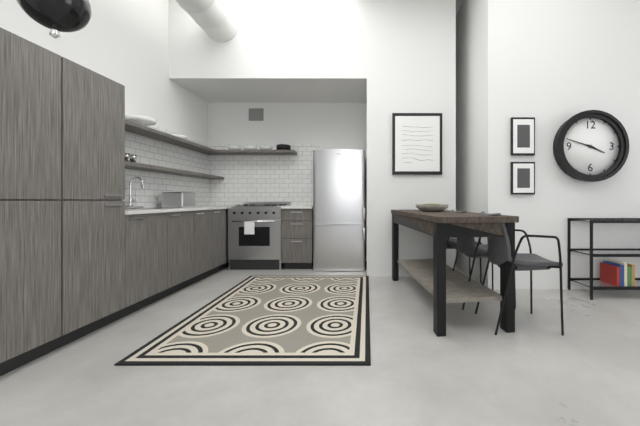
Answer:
3 h 48 min
